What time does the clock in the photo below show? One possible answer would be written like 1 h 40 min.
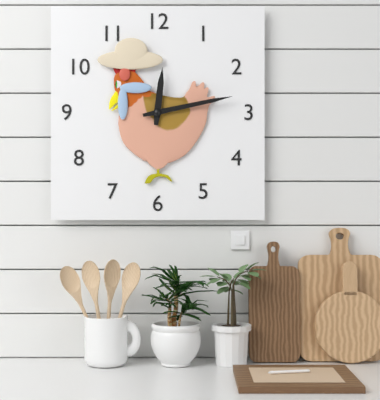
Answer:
12 h 13 min
